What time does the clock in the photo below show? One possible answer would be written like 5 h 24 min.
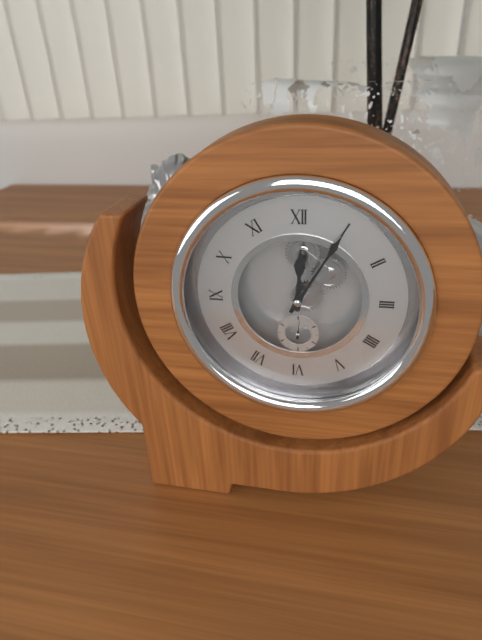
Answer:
12 h 05 min
